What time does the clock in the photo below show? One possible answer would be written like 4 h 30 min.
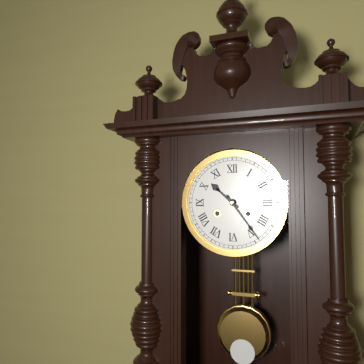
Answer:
10 h 24 min
